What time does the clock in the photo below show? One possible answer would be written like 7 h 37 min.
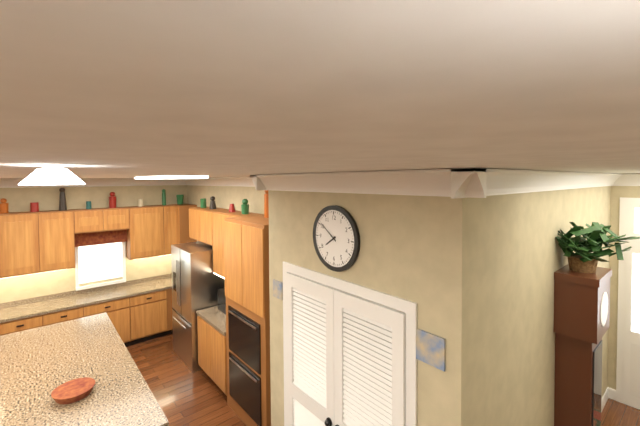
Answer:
7 h 51 min
